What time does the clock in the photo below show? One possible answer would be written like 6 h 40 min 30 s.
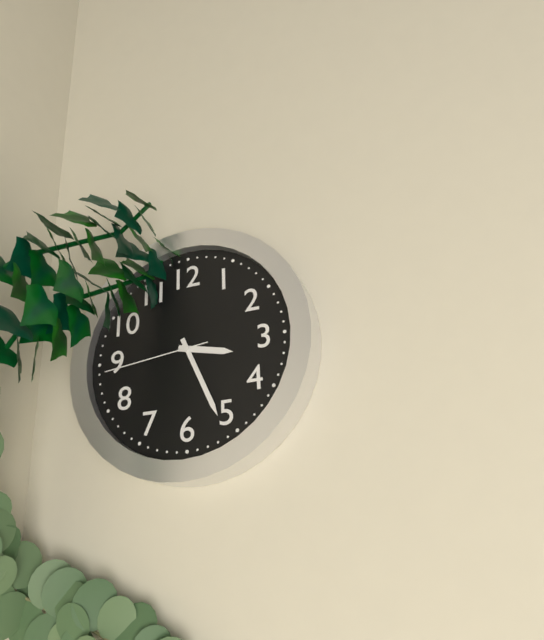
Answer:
3 h 26 min 44 s
